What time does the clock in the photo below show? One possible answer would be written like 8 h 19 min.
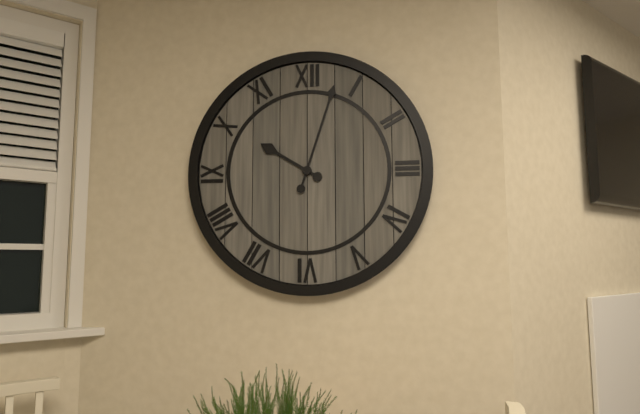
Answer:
10 h 03 min
